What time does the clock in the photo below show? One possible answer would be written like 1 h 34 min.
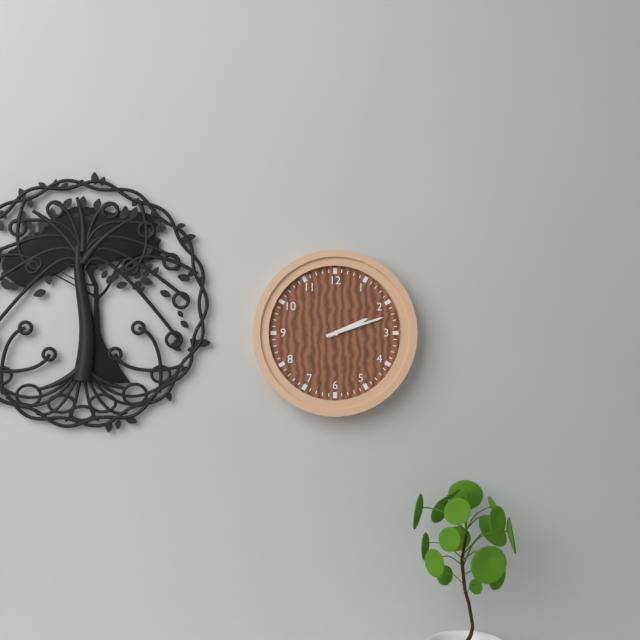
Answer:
2 h 12 min
